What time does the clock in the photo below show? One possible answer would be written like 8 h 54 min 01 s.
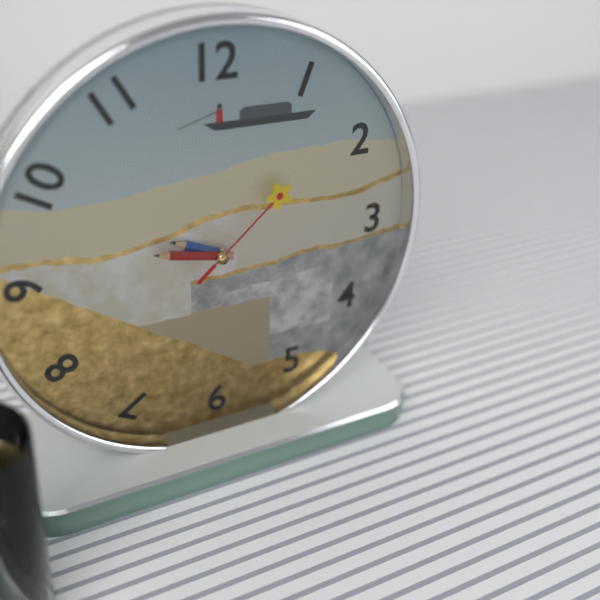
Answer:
9 h 47 min 08 s
